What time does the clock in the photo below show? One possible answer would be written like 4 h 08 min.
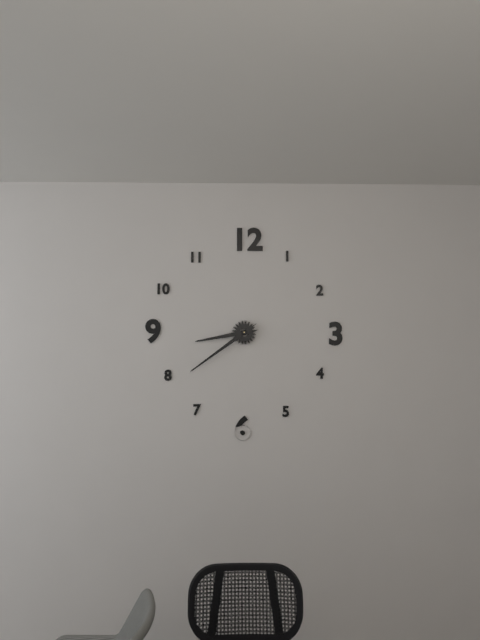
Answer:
8 h 39 min
